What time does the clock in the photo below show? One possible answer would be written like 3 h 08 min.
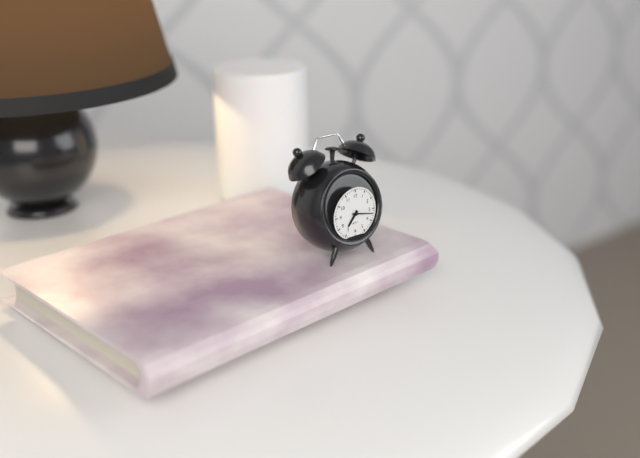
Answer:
7 h 17 min
